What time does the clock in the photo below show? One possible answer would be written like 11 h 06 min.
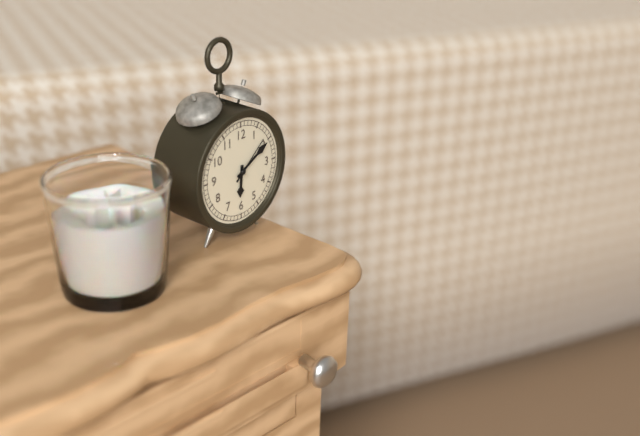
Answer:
6 h 10 min
